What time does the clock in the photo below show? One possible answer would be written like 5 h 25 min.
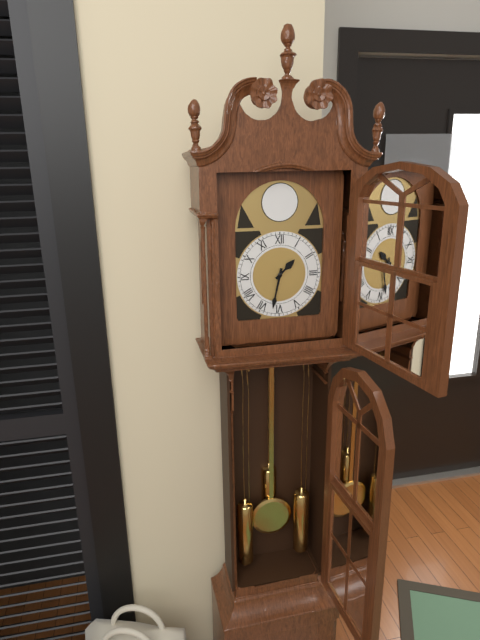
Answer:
1 h 32 min
